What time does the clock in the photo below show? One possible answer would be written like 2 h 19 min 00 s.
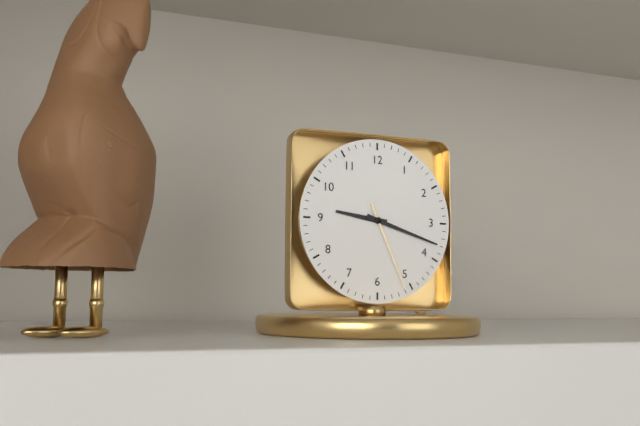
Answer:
9 h 18 min 26 s
